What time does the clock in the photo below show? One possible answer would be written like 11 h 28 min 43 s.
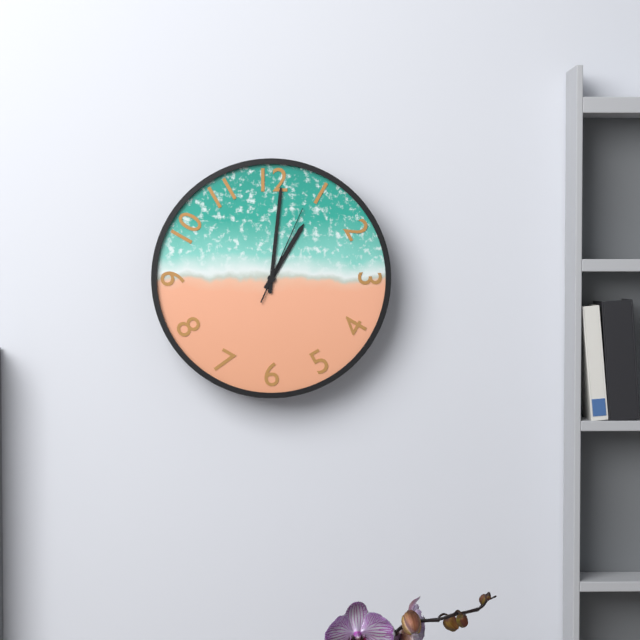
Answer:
1 h 01 min 04 s
